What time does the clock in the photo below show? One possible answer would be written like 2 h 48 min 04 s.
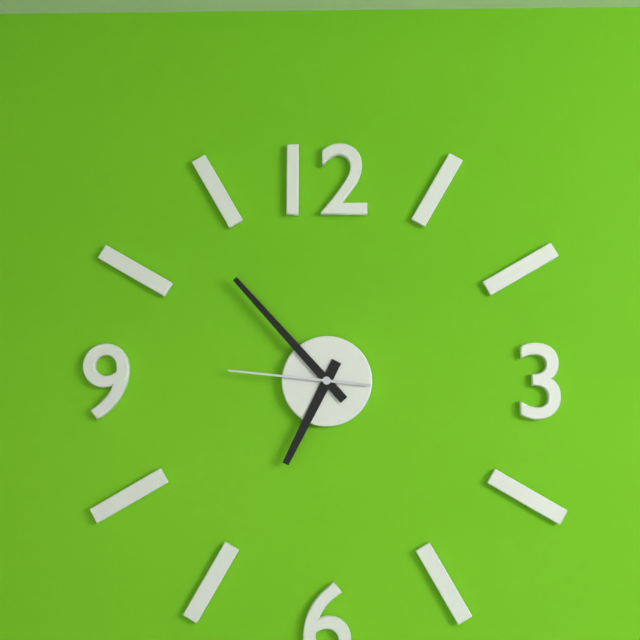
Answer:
6 h 53 min 46 s
